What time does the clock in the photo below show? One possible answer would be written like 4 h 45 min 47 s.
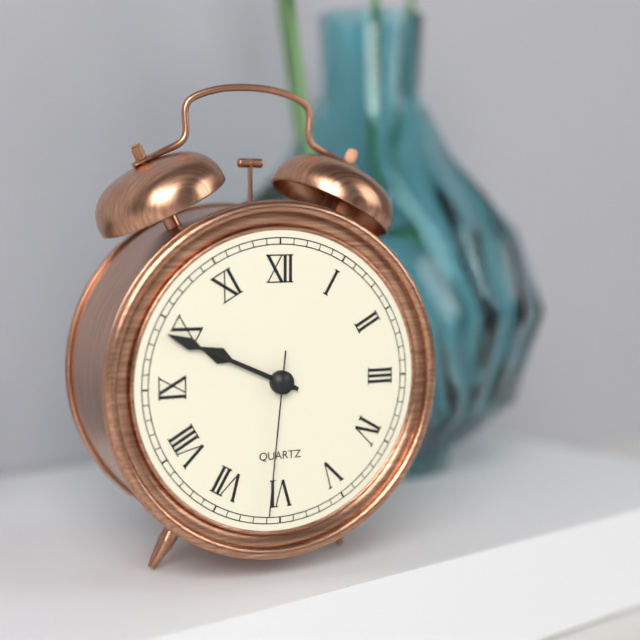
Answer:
9 h 49 min 31 s
